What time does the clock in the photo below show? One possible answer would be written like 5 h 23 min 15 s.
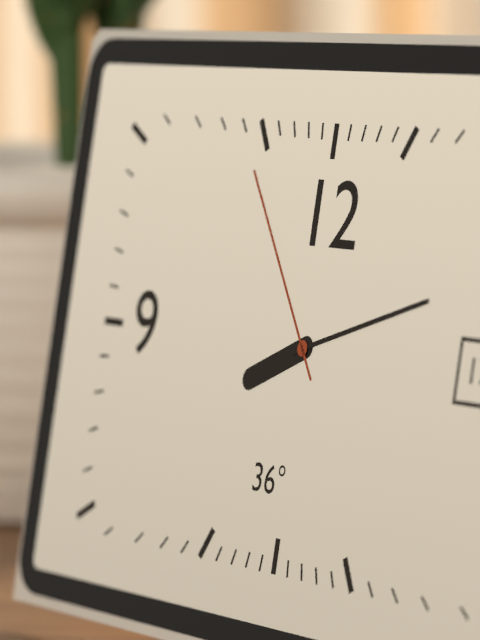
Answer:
8 h 12 min 54 s
